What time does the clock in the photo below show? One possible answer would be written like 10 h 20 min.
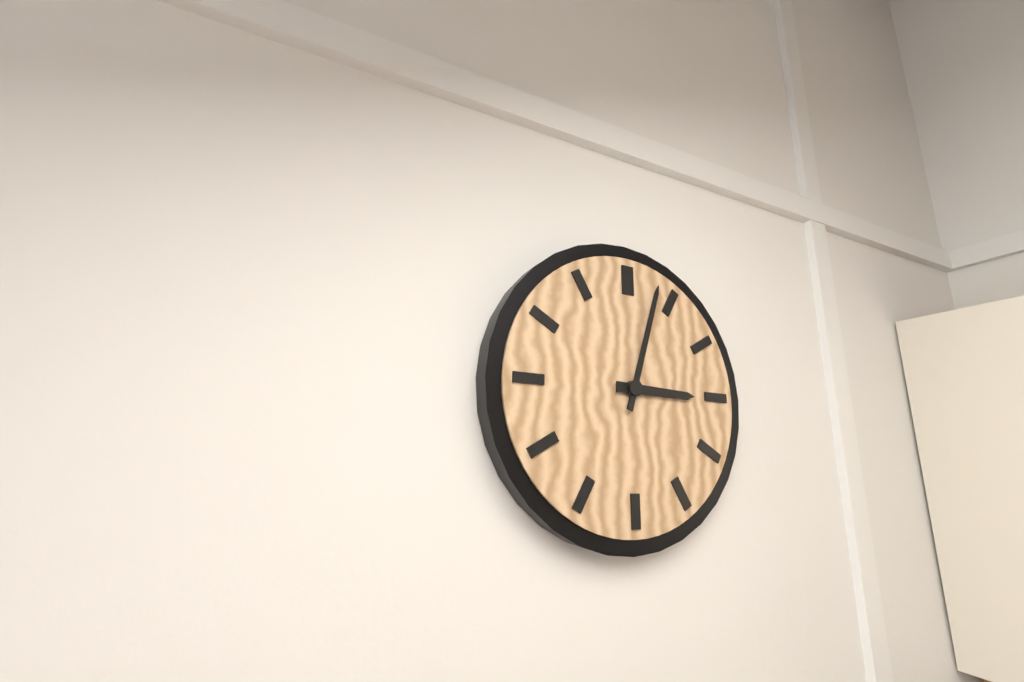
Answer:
3 h 03 min
